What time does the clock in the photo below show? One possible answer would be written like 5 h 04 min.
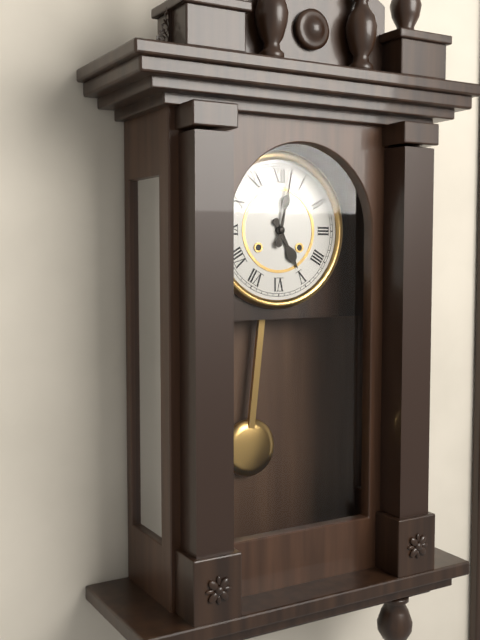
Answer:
5 h 02 min
